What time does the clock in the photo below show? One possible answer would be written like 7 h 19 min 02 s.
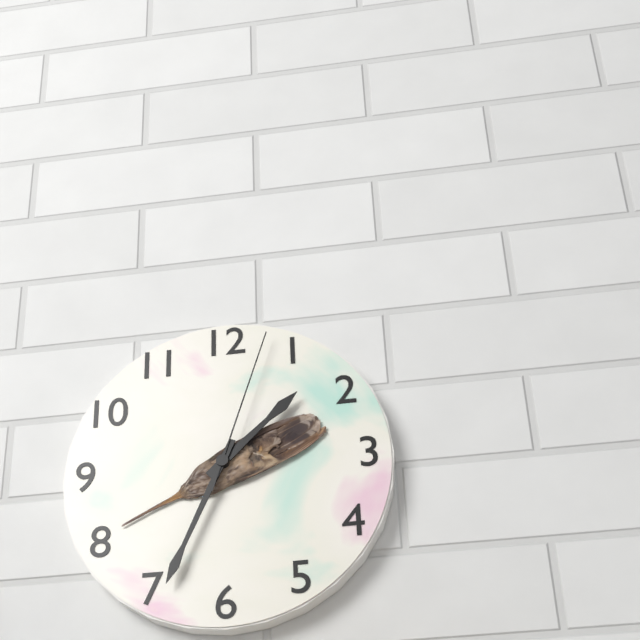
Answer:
1 h 34 min 03 s
